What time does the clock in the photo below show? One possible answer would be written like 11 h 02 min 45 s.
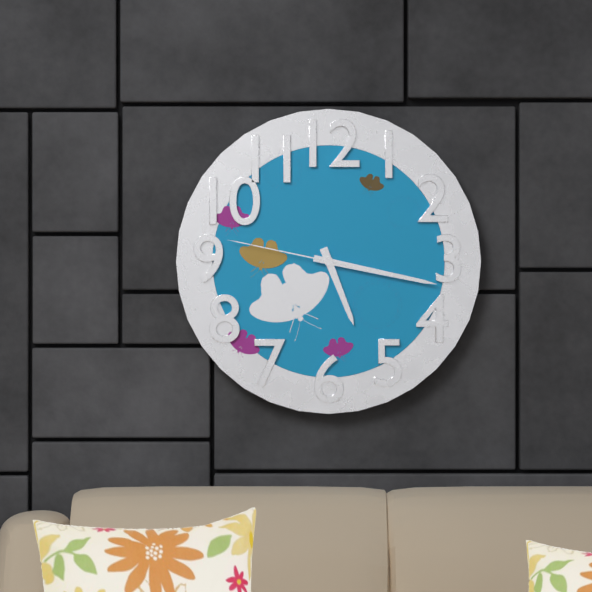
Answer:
5 h 17 min 47 s
